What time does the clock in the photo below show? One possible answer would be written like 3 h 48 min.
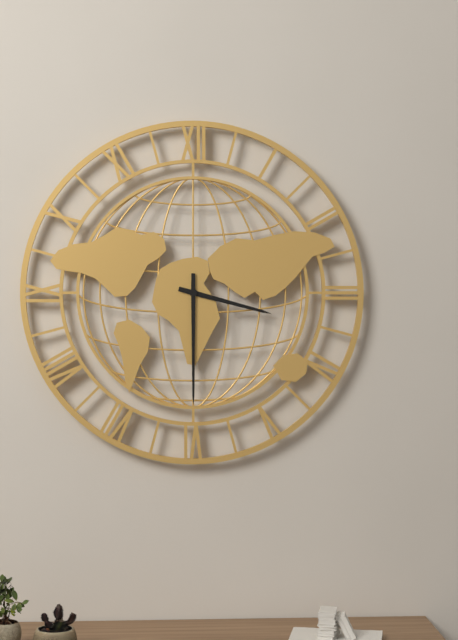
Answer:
3 h 30 min
